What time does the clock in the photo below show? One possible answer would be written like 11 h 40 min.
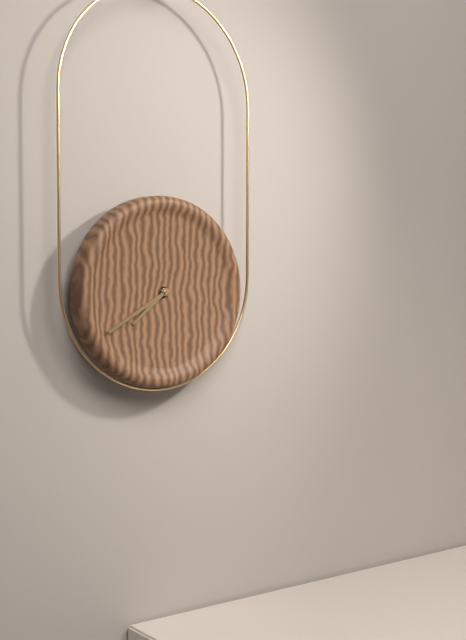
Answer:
7 h 40 min
